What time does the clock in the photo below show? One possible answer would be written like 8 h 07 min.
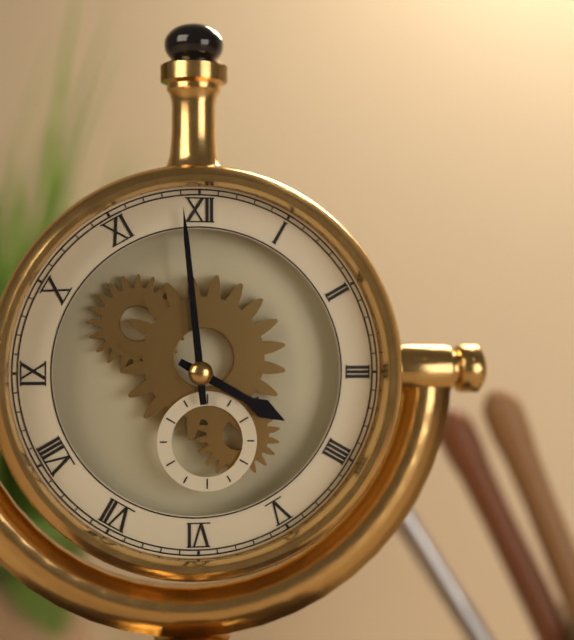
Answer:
3 h 59 min
